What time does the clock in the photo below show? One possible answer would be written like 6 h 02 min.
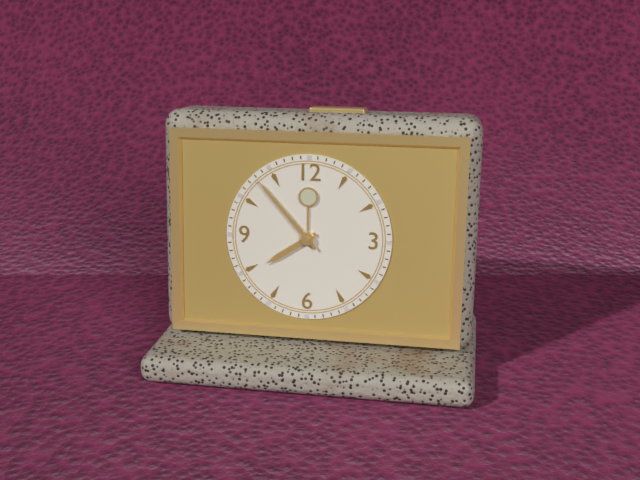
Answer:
7 h 53 min
